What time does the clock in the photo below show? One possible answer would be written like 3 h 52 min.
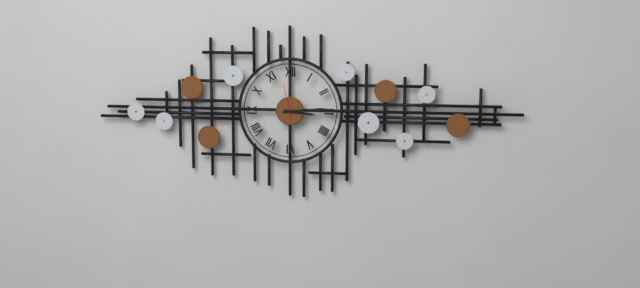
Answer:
3 h 14 min
